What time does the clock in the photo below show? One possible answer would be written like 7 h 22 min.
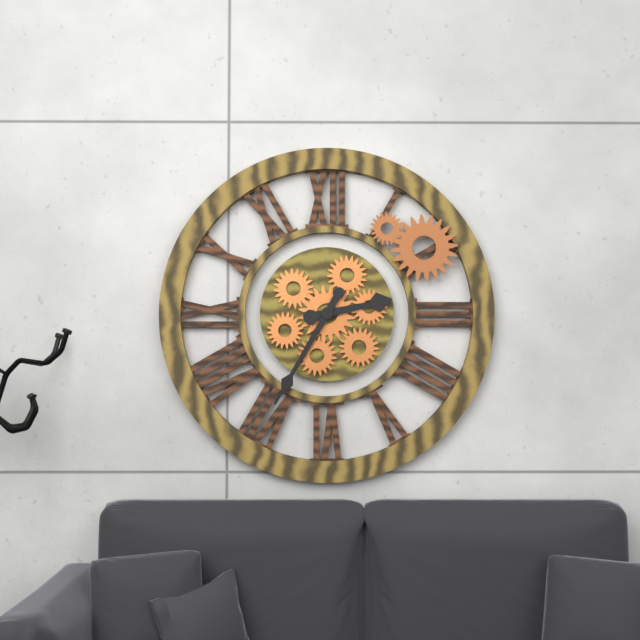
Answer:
2 h 35 min
